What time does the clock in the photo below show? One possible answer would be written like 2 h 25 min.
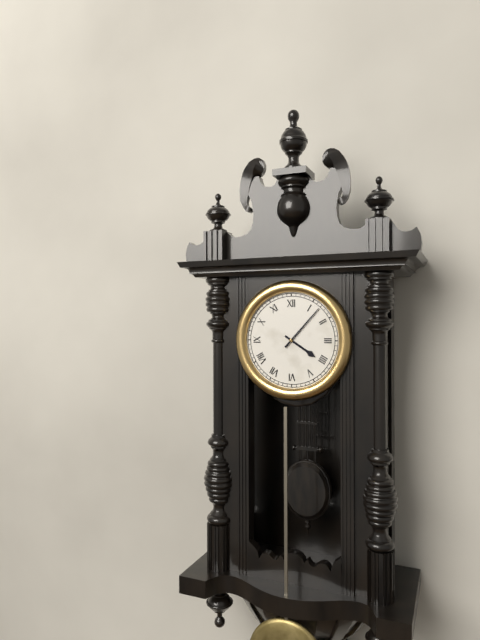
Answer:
4 h 07 min
